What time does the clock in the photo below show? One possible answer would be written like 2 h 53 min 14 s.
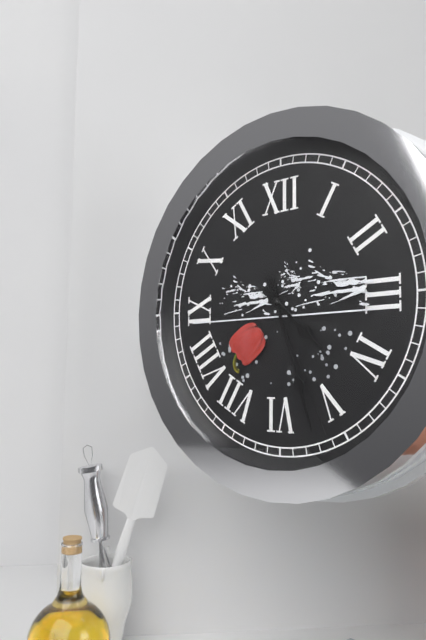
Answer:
4 h 27 min 26 s
